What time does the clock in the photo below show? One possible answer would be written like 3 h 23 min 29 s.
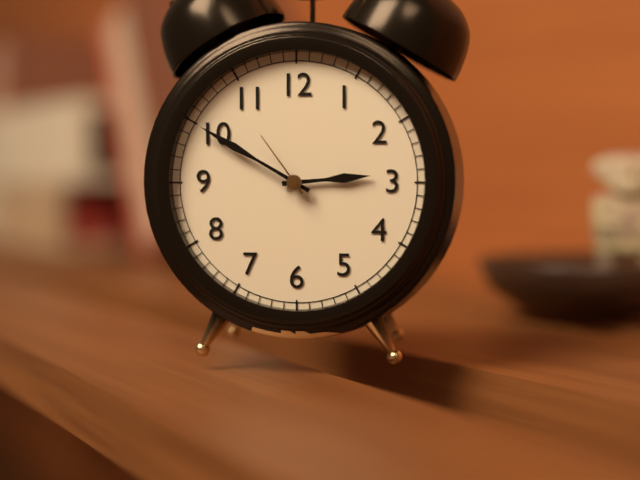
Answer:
2 h 50 min 54 s
